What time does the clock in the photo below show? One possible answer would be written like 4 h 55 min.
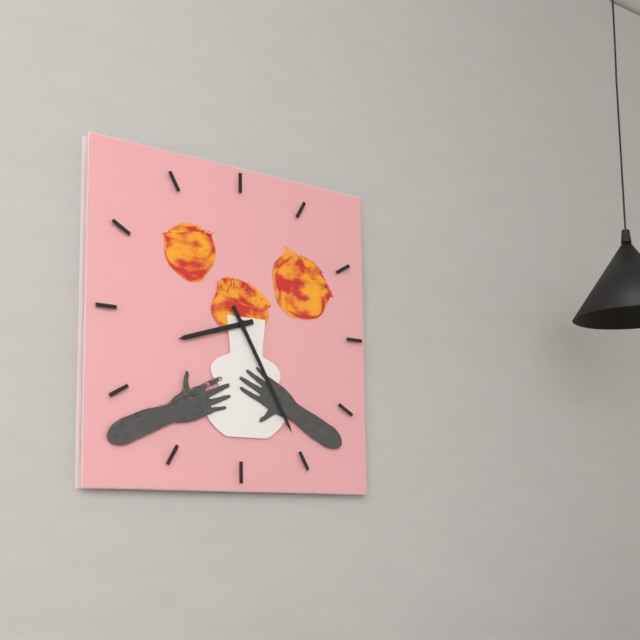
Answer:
8 h 25 min
